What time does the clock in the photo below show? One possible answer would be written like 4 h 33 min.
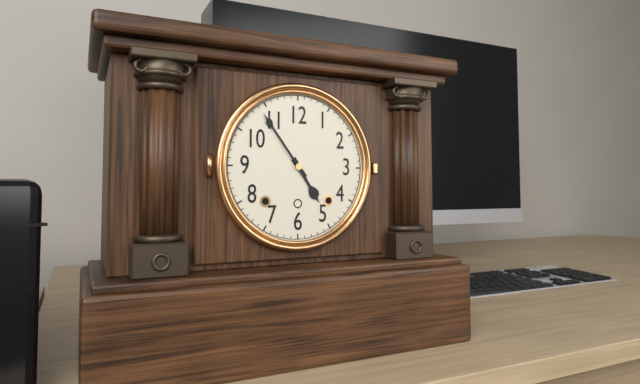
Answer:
4 h 54 min
